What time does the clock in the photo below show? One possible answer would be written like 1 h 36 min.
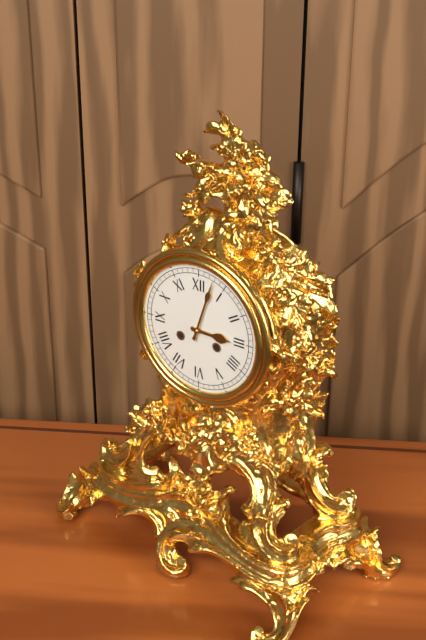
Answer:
3 h 03 min
